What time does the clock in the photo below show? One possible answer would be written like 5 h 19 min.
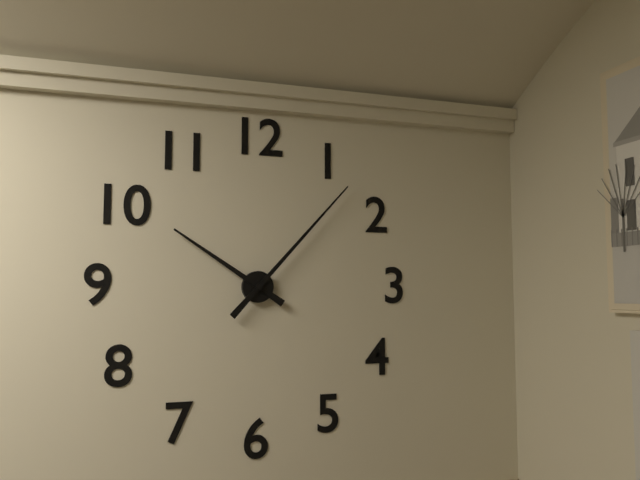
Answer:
10 h 07 min
